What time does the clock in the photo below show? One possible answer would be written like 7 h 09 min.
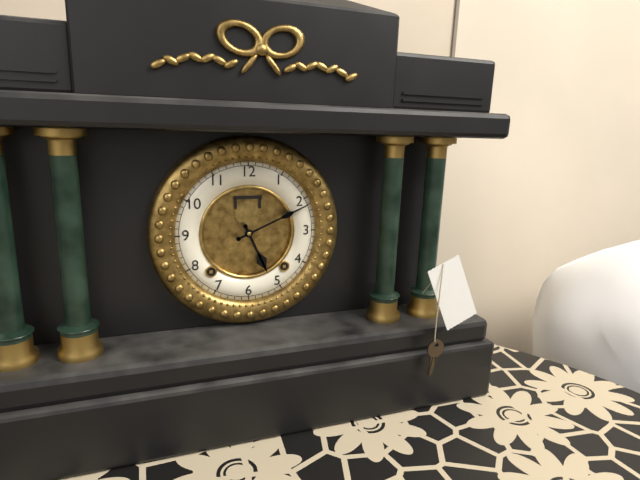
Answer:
5 h 11 min
